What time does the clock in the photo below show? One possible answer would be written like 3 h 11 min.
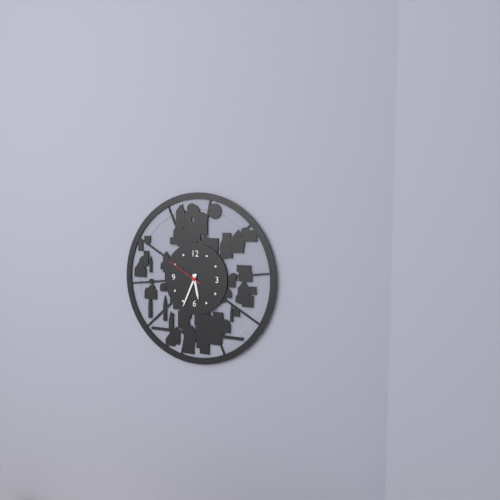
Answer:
5 h 34 min
